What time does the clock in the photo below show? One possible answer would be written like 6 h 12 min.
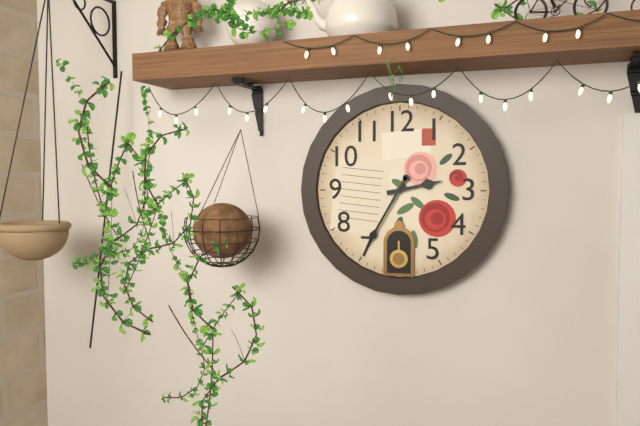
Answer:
2 h 35 min
